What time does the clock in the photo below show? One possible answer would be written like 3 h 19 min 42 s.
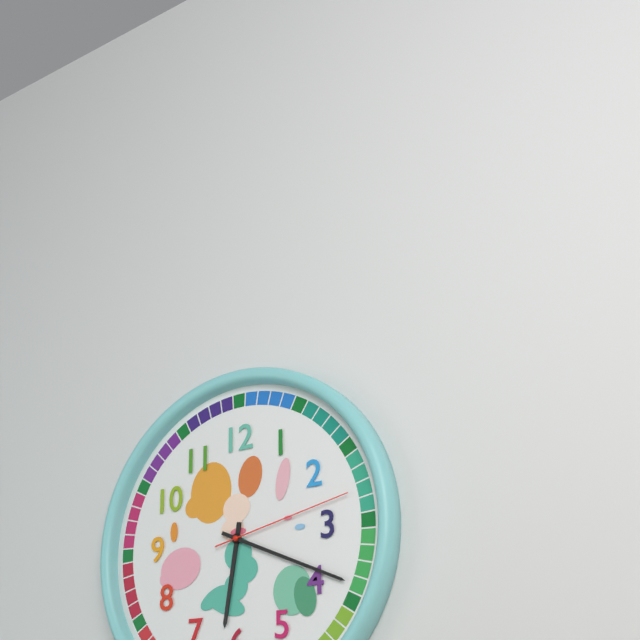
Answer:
6 h 19 min 13 s
